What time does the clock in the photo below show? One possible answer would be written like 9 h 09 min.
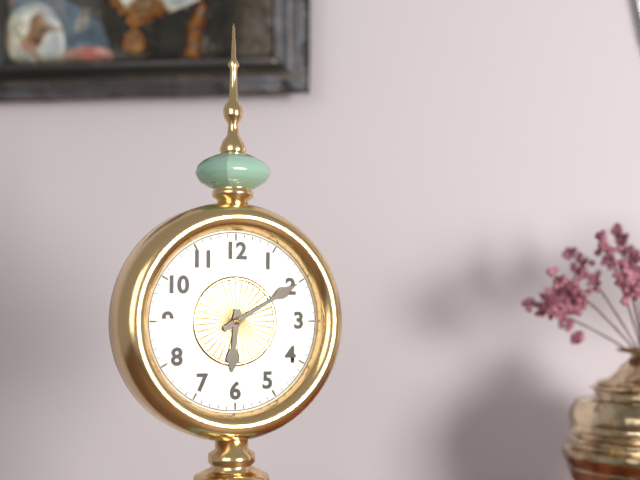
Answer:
6 h 10 min
